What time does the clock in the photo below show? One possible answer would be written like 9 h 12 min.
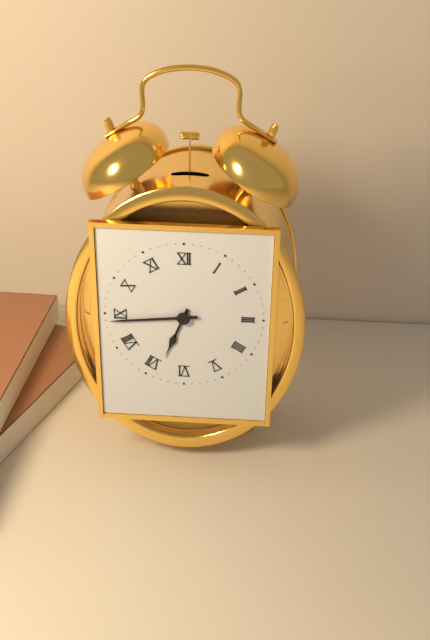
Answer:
6 h 44 min
